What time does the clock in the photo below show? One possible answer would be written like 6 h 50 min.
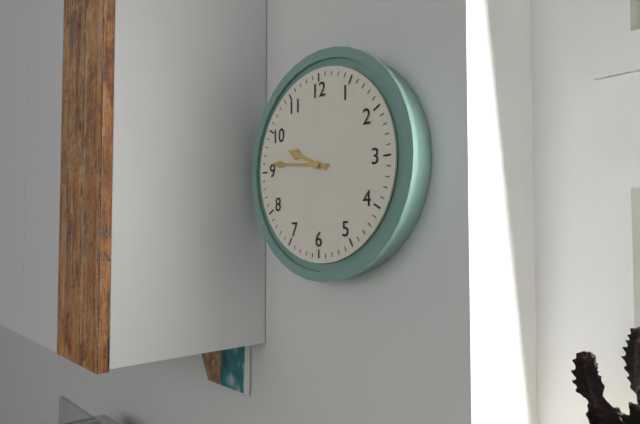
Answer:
9 h 46 min
